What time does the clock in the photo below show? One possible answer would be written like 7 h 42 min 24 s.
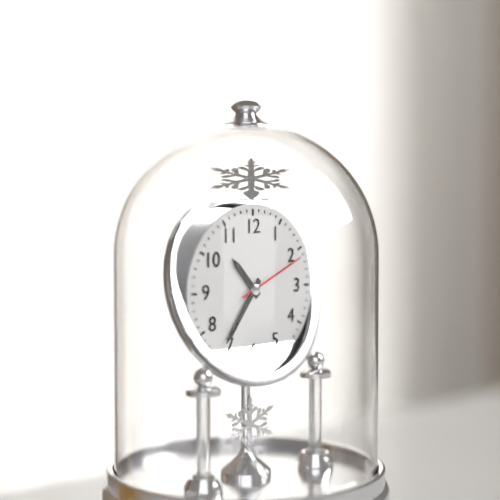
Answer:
10 h 36 min 11 s
